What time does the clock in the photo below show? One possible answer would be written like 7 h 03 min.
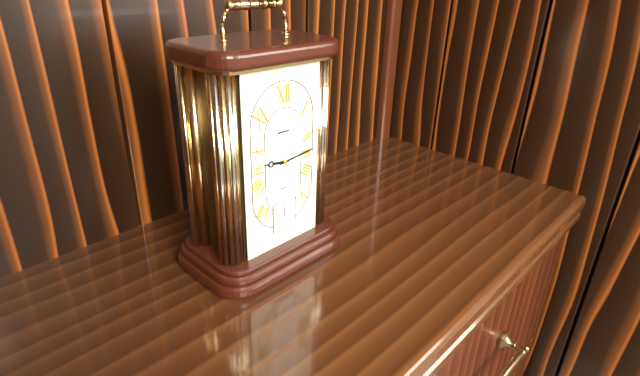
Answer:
9 h 14 min
